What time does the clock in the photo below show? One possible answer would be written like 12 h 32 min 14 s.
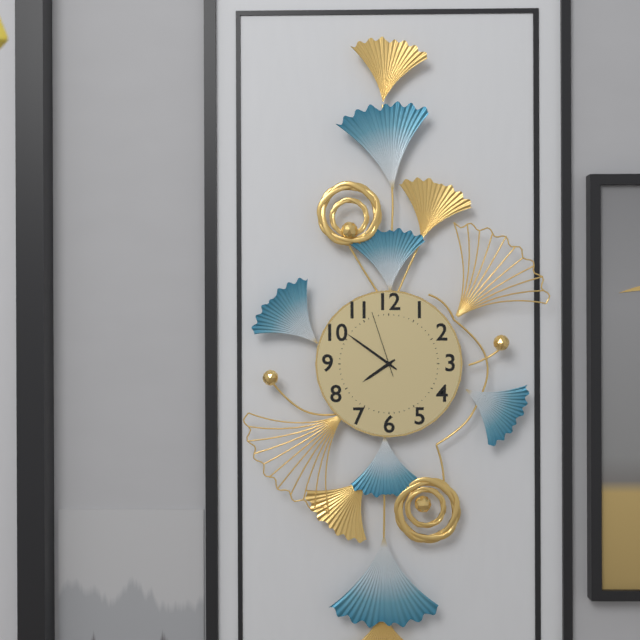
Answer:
7 h 51 min 57 s
